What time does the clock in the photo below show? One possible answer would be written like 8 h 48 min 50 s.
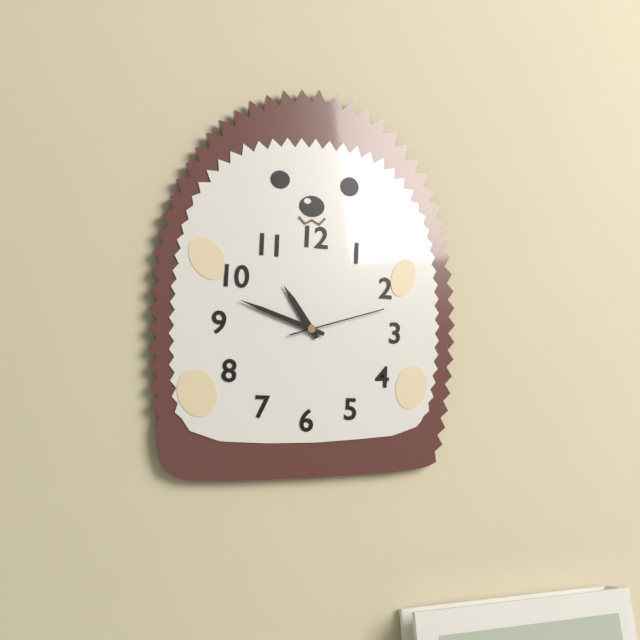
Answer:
10 h 48 min 12 s
